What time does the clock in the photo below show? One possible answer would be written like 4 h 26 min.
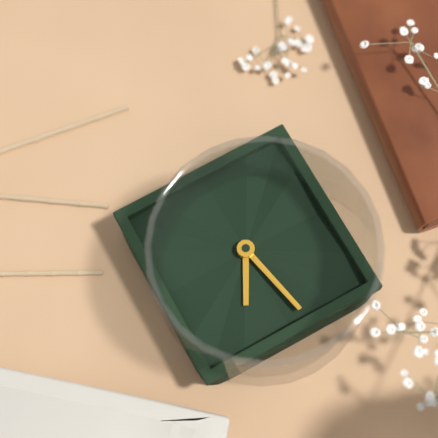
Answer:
12 h 58 min
